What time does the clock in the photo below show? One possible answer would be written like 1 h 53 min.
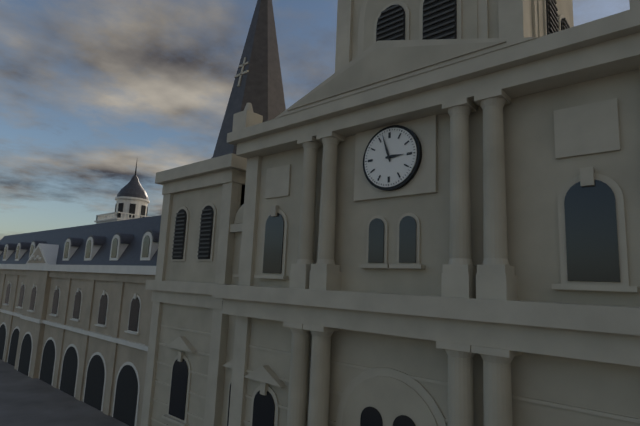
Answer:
2 h 57 min
